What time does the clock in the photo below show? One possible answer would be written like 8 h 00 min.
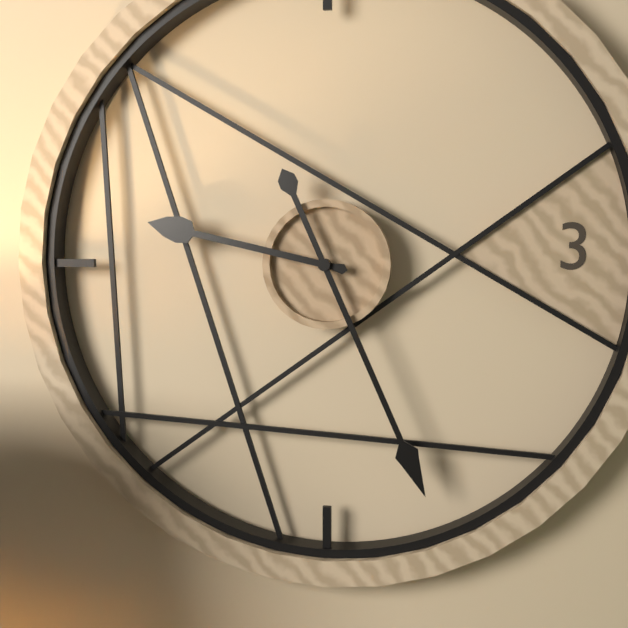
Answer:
9 h 26 min
